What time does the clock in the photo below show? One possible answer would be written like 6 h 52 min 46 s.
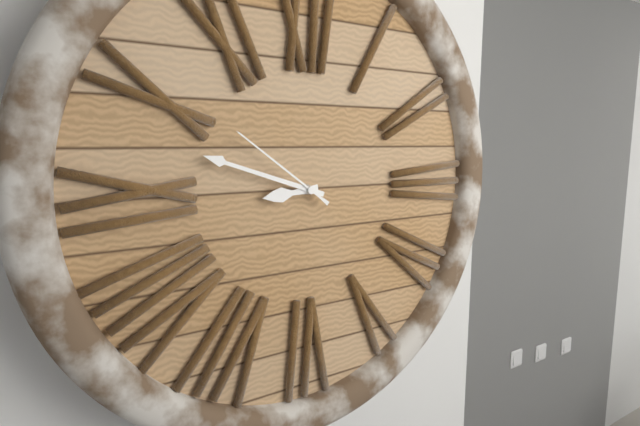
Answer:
8 h 48 min 51 s
